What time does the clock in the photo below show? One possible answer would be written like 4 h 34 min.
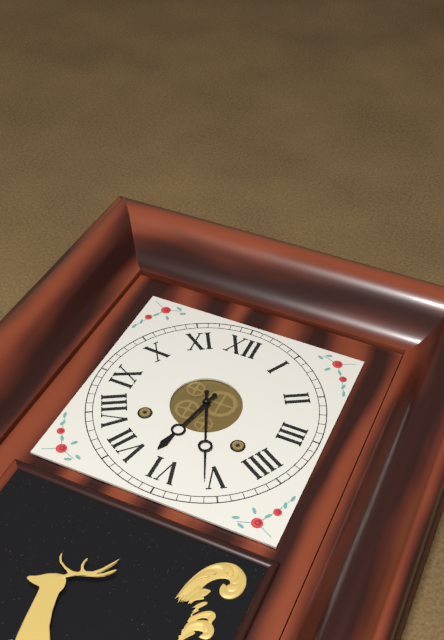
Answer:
6 h 26 min
